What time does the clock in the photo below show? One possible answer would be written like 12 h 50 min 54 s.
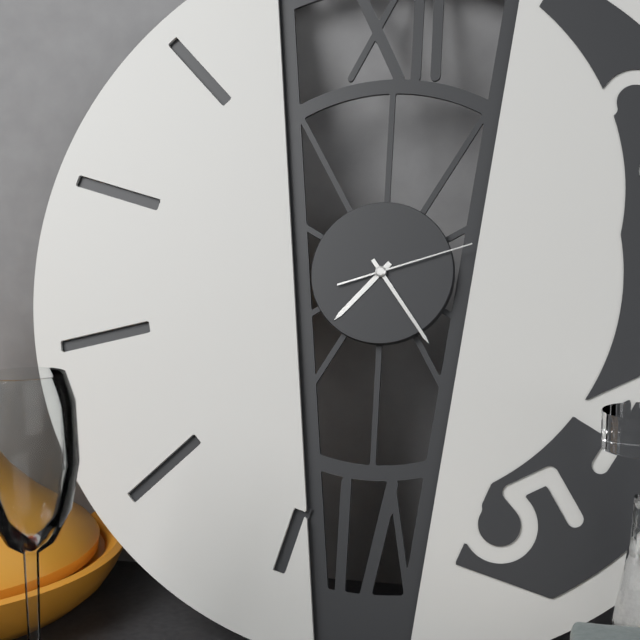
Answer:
7 h 24 min 12 s
